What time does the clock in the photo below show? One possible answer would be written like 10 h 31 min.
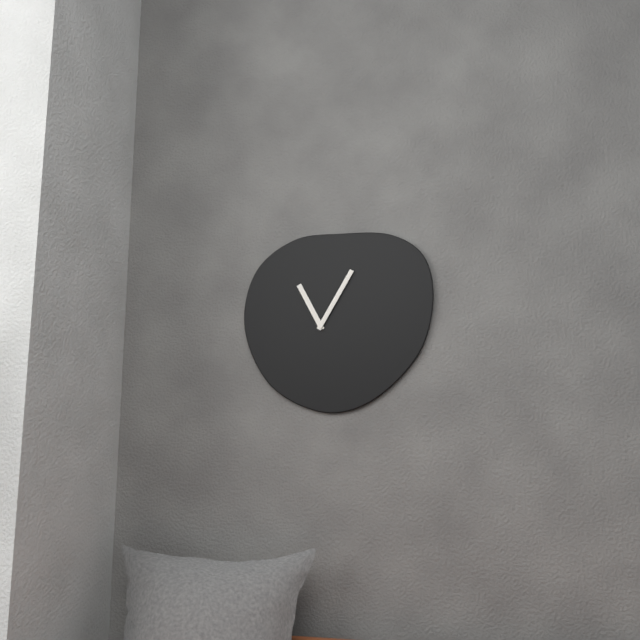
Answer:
11 h 05 min
